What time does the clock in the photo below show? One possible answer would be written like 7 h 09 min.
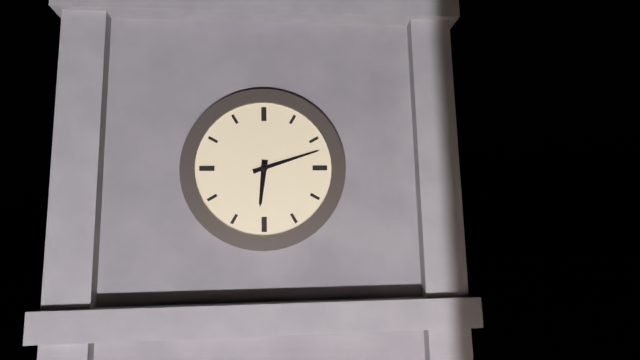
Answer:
6 h 12 min
